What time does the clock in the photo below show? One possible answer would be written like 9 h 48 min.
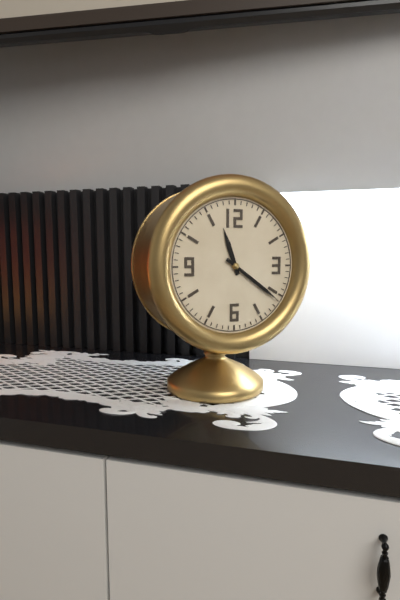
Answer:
11 h 21 min
